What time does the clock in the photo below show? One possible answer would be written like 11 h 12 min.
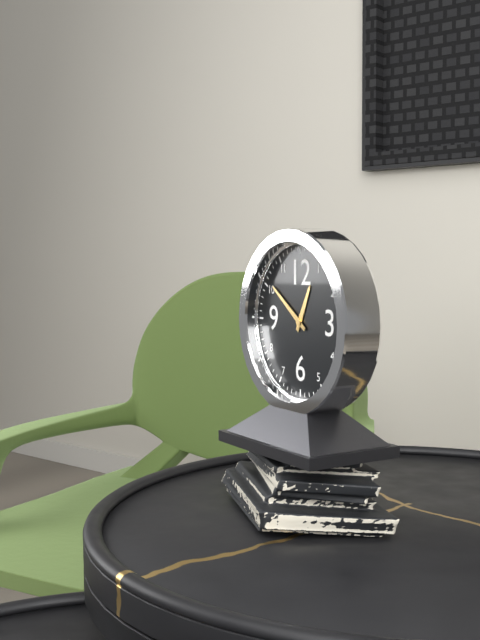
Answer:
12 h 51 min
